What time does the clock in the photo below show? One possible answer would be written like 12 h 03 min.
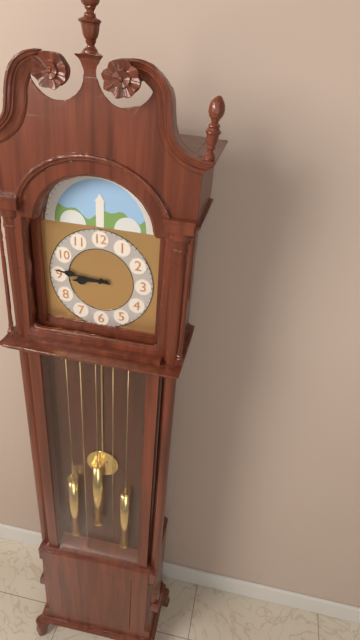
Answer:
8 h 46 min
